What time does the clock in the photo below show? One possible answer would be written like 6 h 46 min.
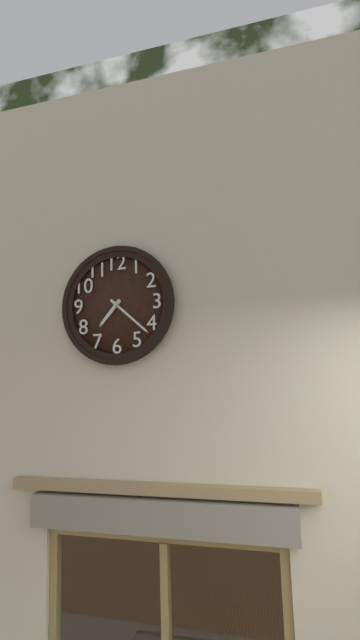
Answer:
7 h 22 min
